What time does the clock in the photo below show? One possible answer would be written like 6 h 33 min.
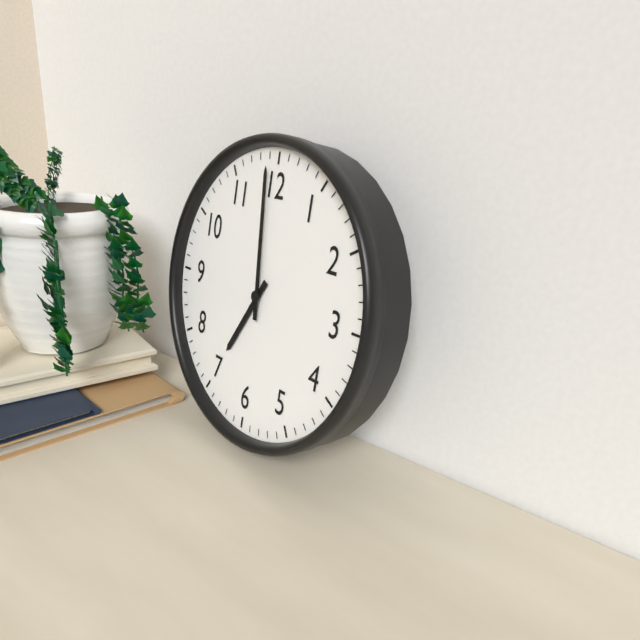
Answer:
6 h 59 min
